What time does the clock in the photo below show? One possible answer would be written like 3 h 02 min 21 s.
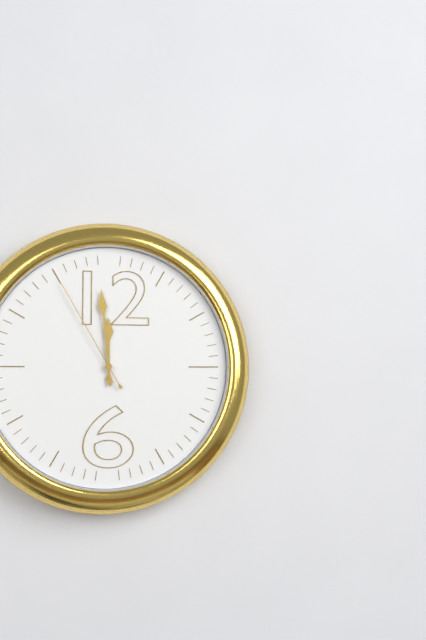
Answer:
11 h 59 min 55 s
